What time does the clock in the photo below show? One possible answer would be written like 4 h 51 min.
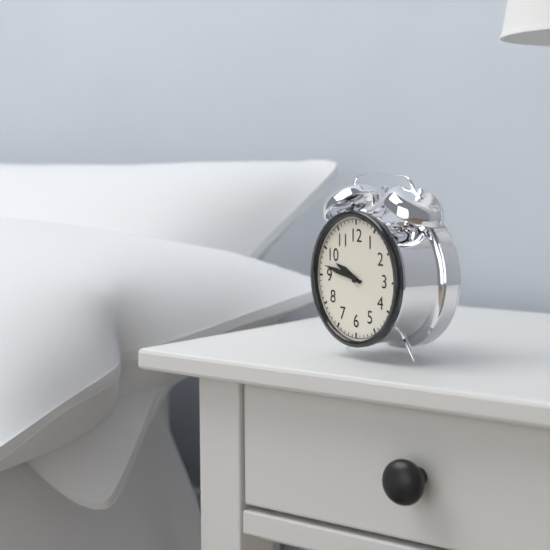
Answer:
9 h 47 min
